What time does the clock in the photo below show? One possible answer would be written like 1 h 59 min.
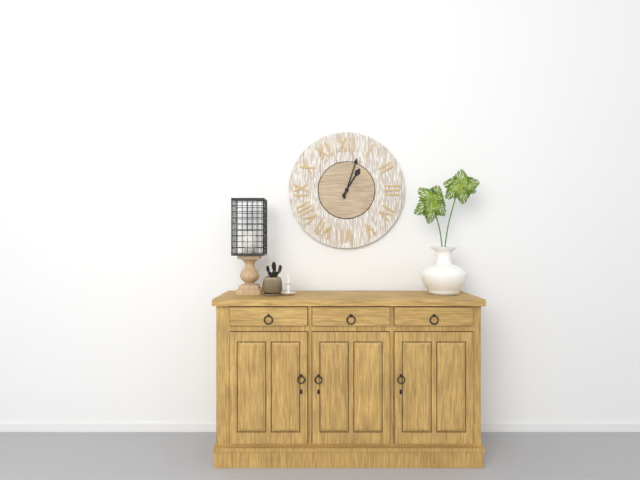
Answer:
1 h 03 min
